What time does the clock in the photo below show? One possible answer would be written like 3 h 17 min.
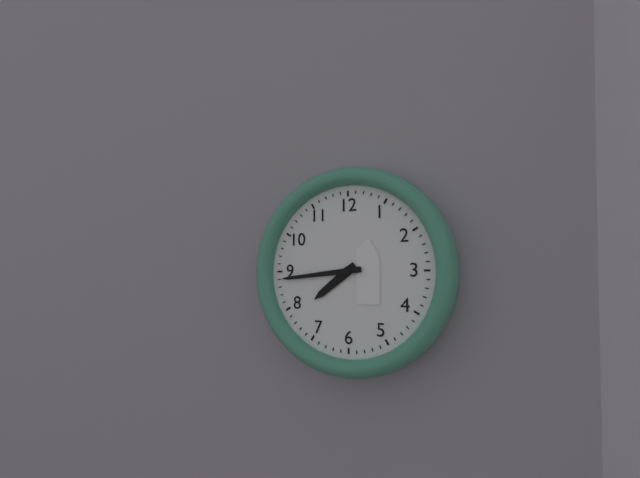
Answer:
7 h 44 min
